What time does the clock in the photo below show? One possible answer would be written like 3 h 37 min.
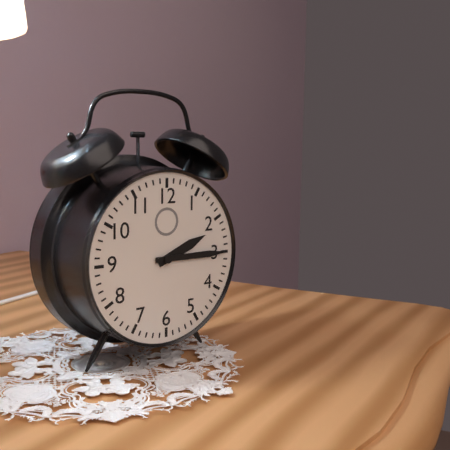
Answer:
2 h 15 min
